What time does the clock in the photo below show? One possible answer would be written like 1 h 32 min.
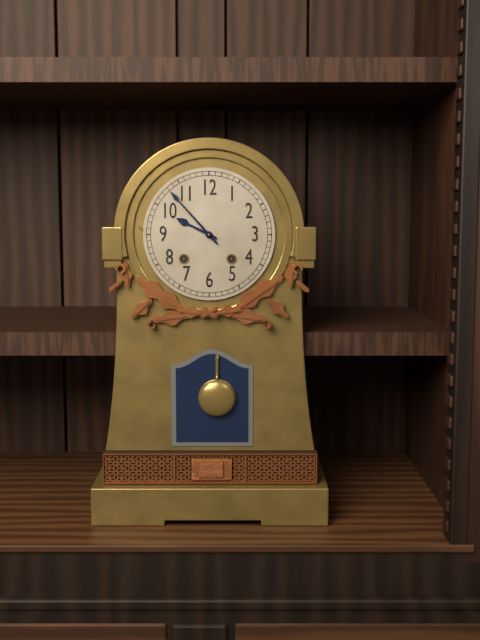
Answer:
9 h 53 min
